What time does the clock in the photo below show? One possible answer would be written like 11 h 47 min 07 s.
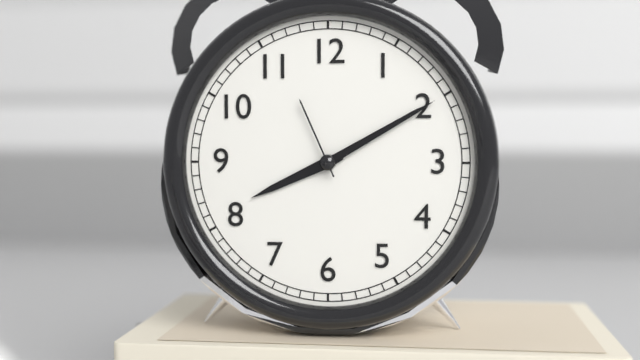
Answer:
8 h 10 min 56 s
